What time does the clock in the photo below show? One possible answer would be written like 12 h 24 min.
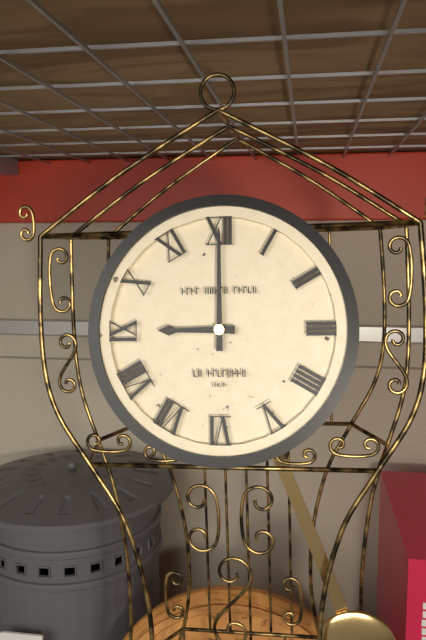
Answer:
9 h 00 min
